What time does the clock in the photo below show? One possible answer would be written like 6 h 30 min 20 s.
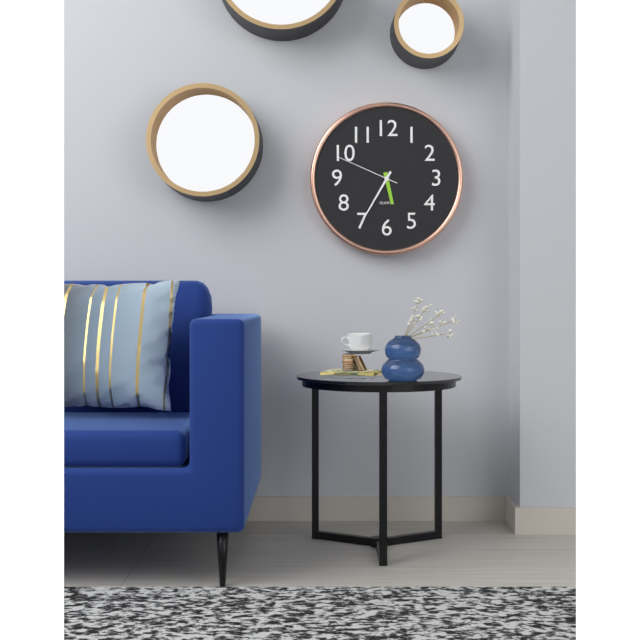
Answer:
5 h 35 min 49 s
